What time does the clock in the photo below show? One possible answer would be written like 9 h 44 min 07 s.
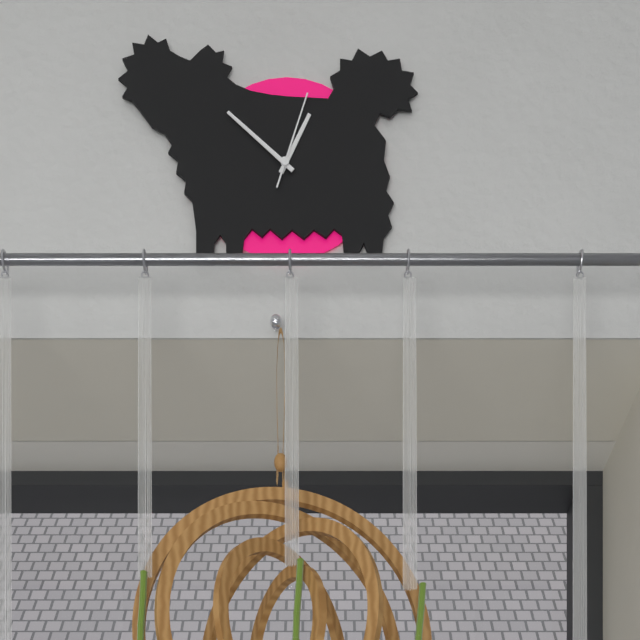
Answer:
12 h 52 min 03 s
